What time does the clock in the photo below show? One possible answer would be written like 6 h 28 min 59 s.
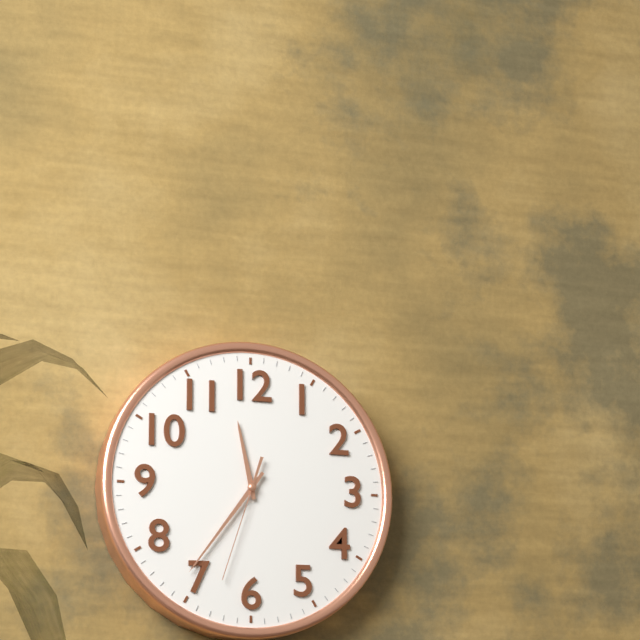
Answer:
11 h 36 min 33 s
